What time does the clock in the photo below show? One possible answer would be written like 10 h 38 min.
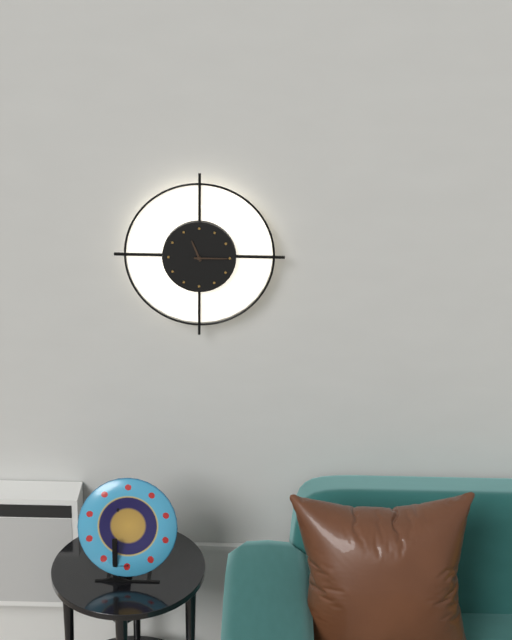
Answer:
11 h 15 min
